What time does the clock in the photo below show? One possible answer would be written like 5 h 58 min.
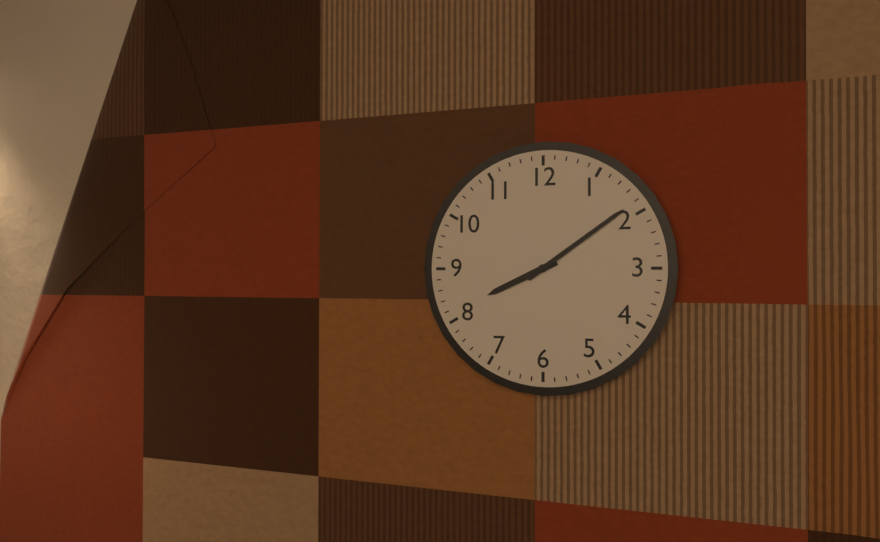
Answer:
8 h 09 min
